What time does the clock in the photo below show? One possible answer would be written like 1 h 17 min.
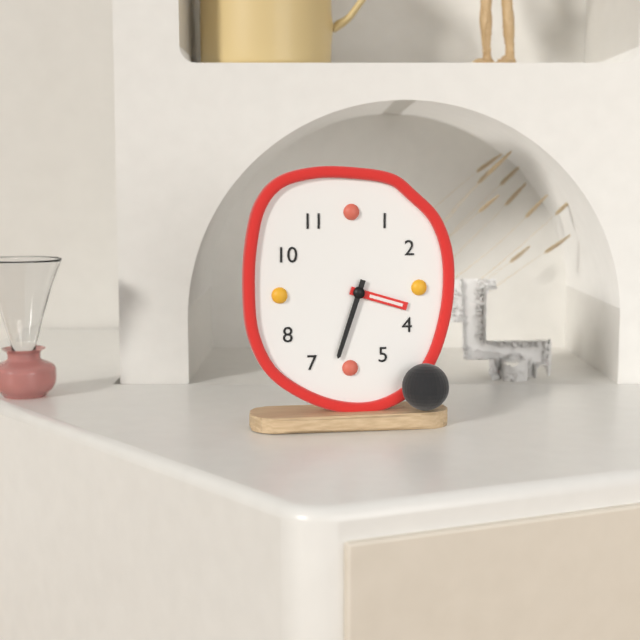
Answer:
3 h 33 min
